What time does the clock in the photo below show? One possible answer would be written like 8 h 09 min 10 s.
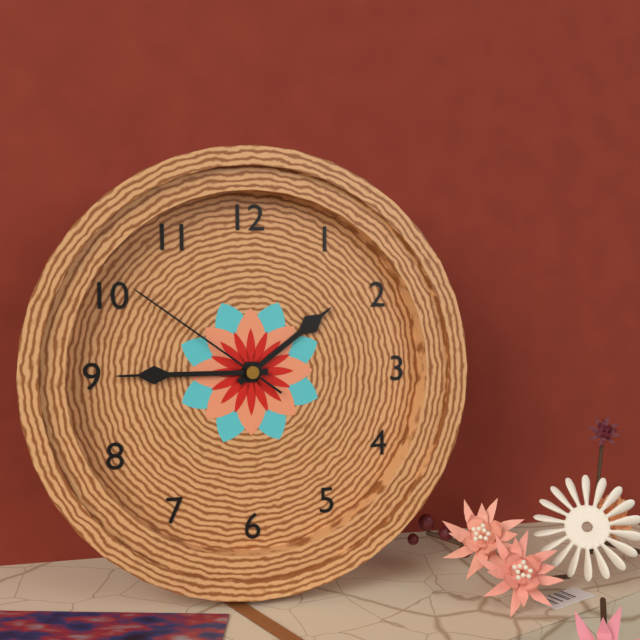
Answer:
1 h 45 min 51 s
